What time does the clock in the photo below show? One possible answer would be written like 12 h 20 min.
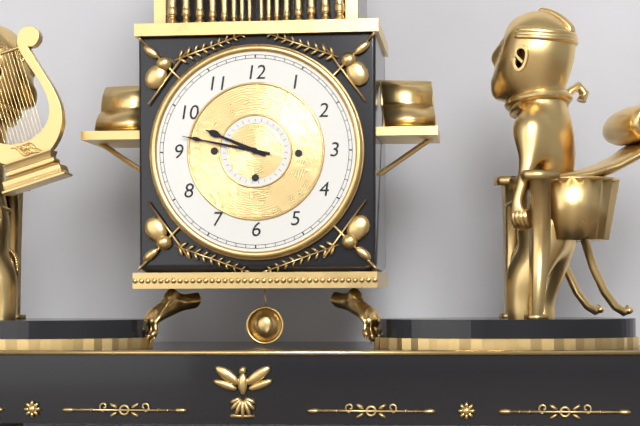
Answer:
9 h 47 min
